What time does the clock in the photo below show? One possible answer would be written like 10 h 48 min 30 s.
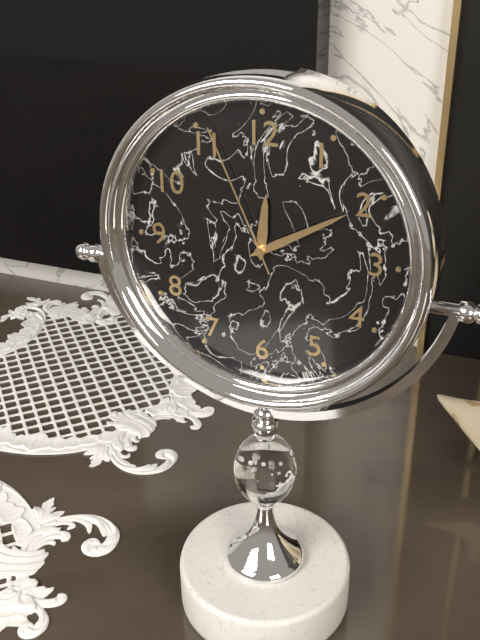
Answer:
12 h 10 min 56 s
